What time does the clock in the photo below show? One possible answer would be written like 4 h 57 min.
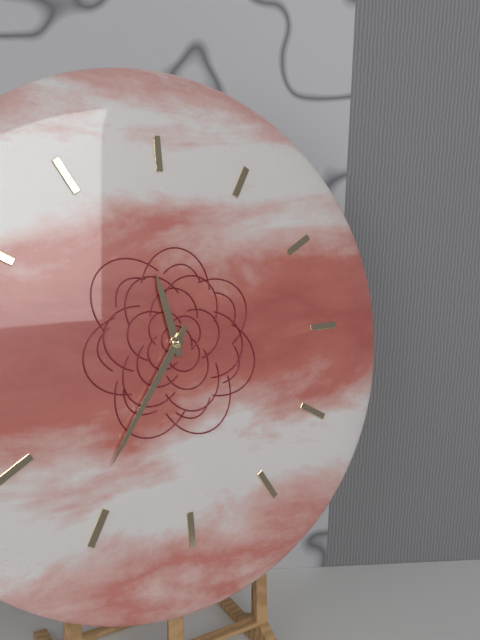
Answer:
11 h 36 min
